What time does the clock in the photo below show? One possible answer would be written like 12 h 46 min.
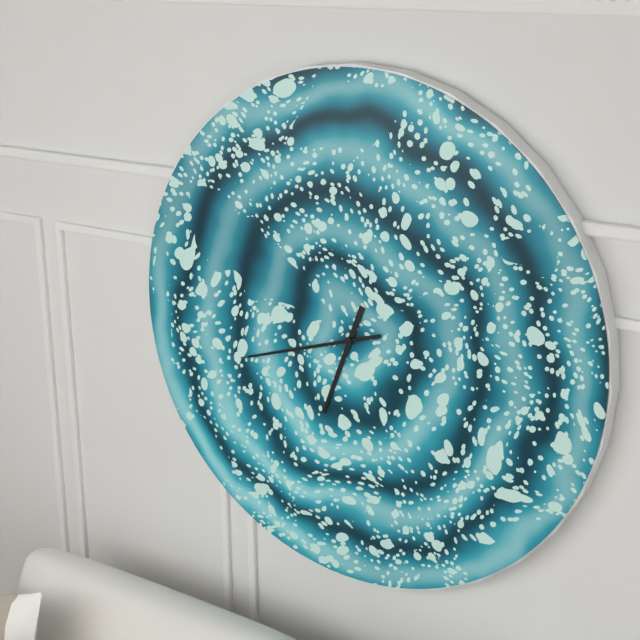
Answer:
6 h 42 min
